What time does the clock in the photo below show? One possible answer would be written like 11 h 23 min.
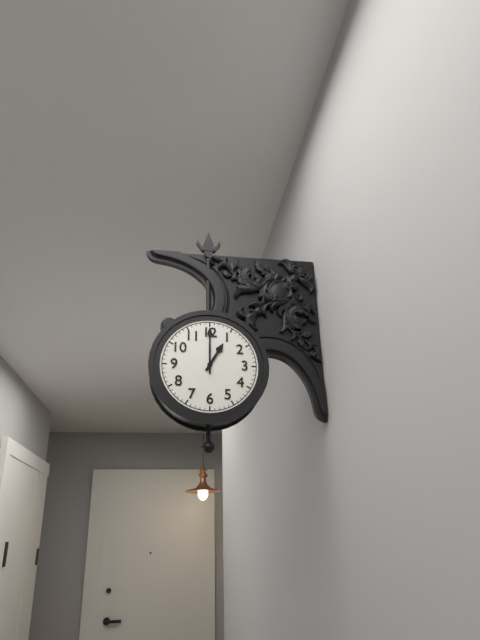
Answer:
1 h 00 min
